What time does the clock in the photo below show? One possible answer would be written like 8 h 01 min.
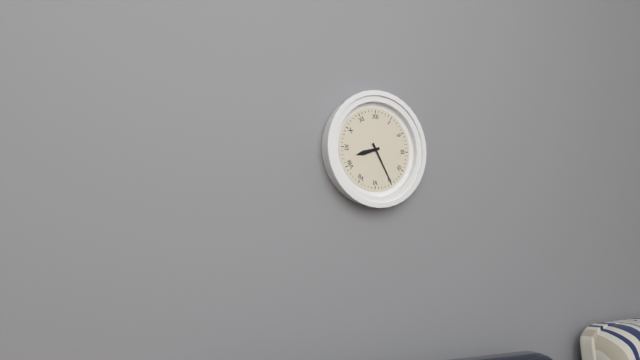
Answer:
8 h 25 min
